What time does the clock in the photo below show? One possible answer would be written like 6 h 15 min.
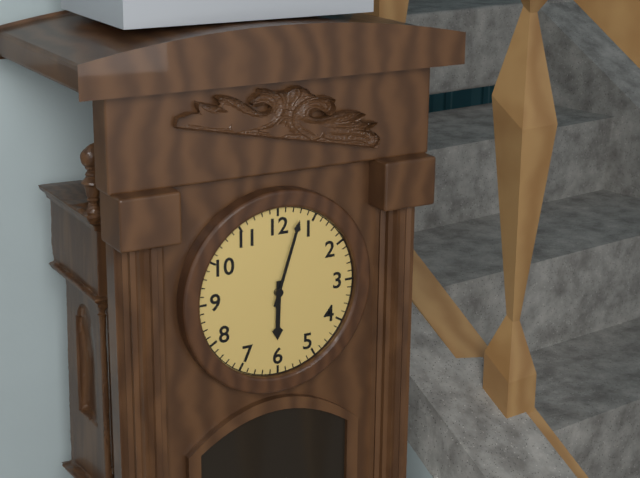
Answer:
6 h 03 min
